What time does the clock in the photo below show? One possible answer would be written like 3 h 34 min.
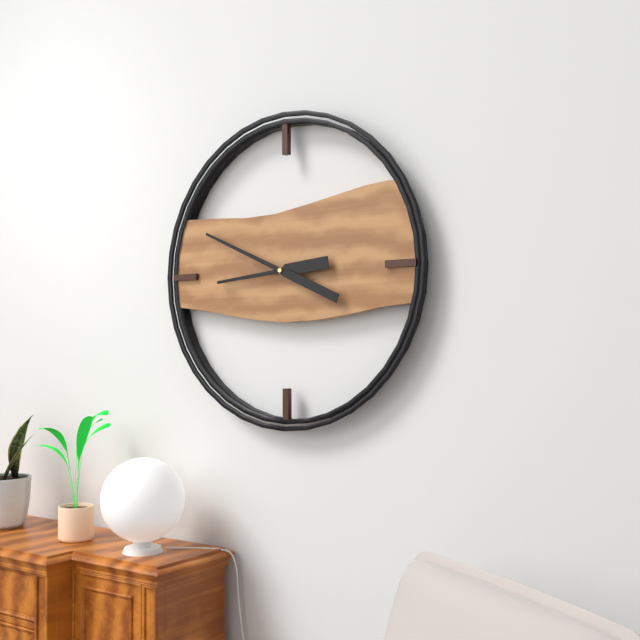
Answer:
8 h 49 min
